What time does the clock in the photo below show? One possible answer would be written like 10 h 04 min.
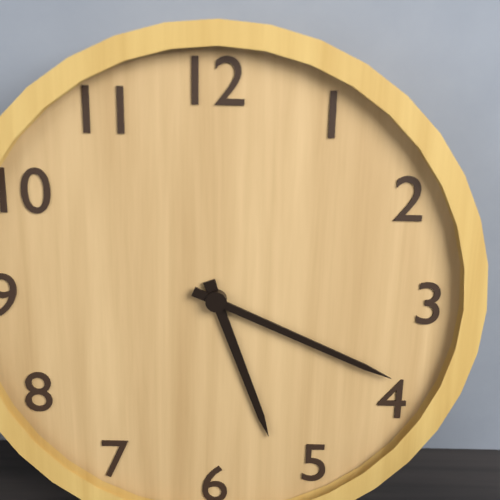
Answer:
5 h 19 min
